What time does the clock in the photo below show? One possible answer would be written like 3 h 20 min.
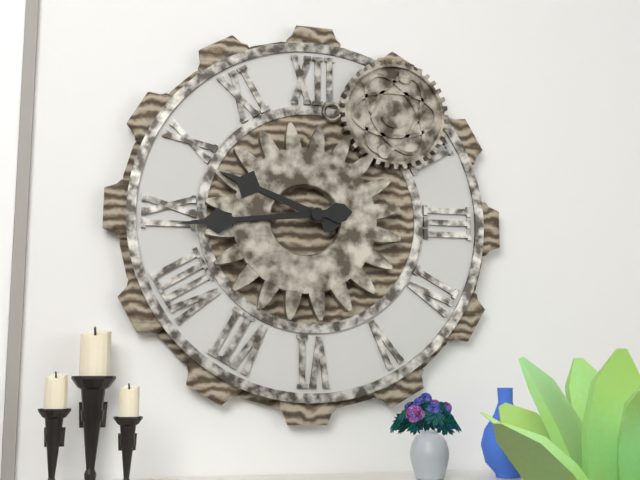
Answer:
9 h 44 min
